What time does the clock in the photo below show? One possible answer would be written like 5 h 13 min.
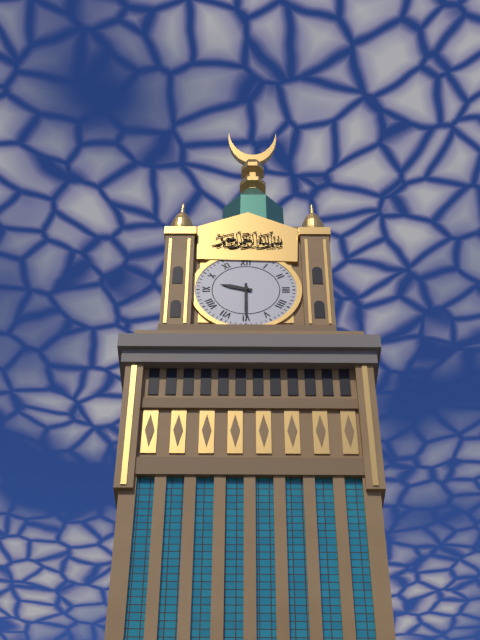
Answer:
9 h 30 min
